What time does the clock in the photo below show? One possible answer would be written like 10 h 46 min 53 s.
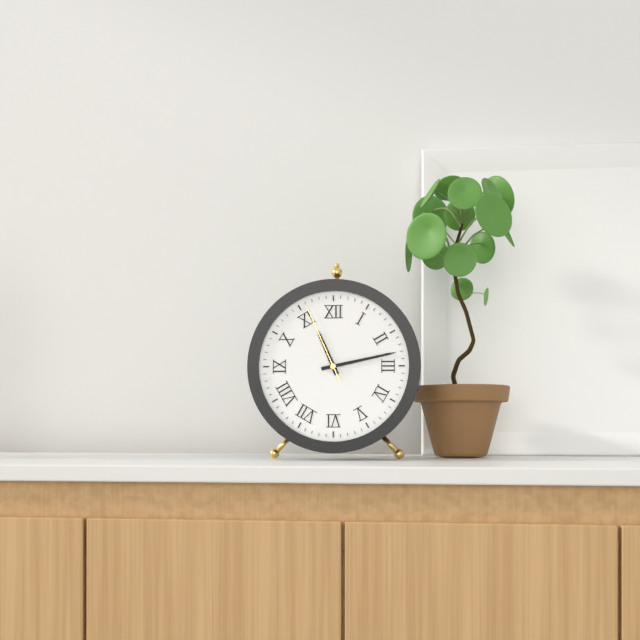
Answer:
11 h 13 min 56 s
